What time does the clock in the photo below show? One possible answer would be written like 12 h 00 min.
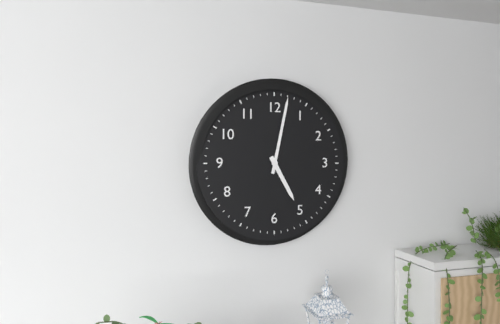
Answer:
5 h 02 min
